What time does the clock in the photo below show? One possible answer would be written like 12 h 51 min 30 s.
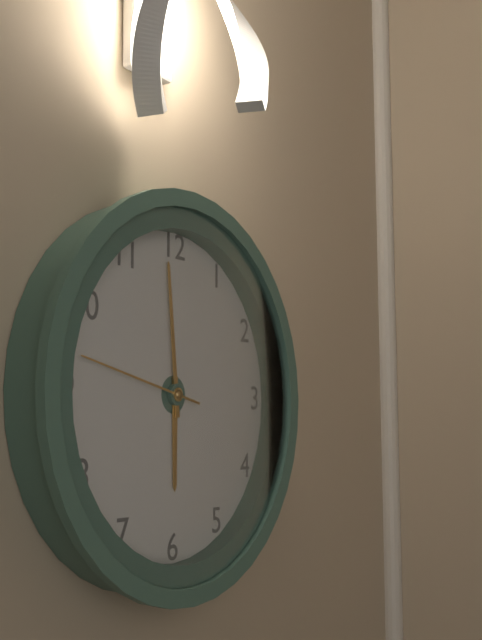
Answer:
5 h 59 min 47 s
